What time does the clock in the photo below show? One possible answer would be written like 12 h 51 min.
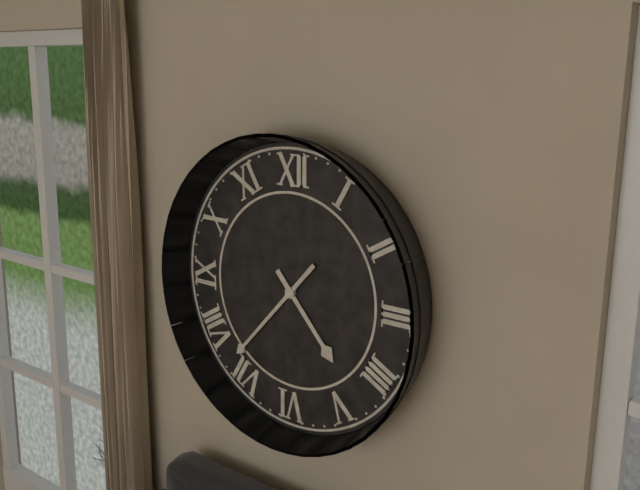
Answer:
4 h 37 min
